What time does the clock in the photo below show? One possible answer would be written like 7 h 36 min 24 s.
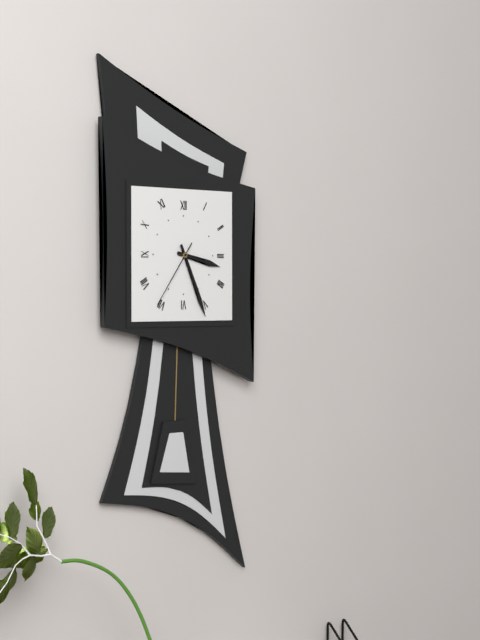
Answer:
3 h 26 min 36 s
